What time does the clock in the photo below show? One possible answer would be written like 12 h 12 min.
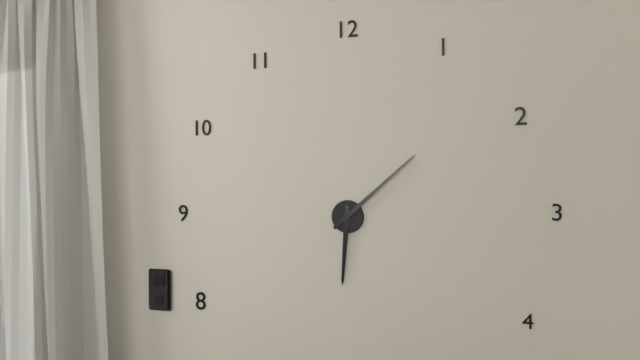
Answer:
6 h 08 min
